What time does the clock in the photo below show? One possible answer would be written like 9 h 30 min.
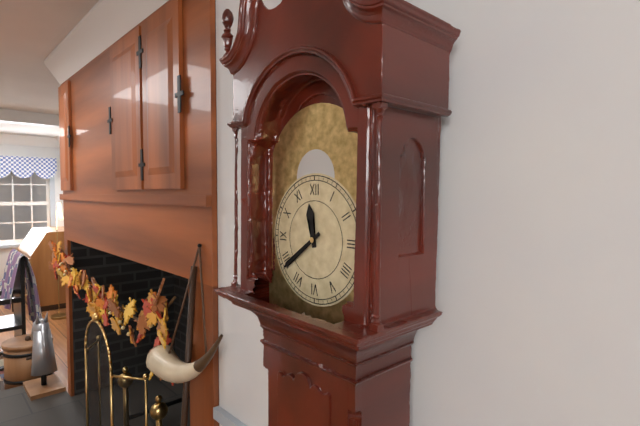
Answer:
11 h 39 min
